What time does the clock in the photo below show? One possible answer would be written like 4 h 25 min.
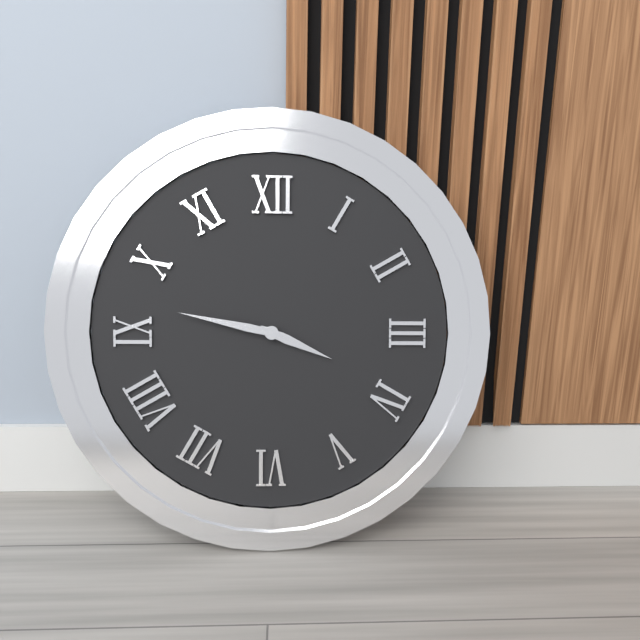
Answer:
3 h 47 min
